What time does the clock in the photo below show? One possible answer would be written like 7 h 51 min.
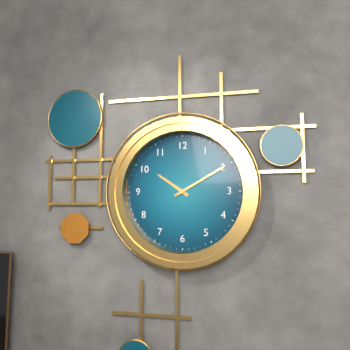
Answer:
10 h 10 min
